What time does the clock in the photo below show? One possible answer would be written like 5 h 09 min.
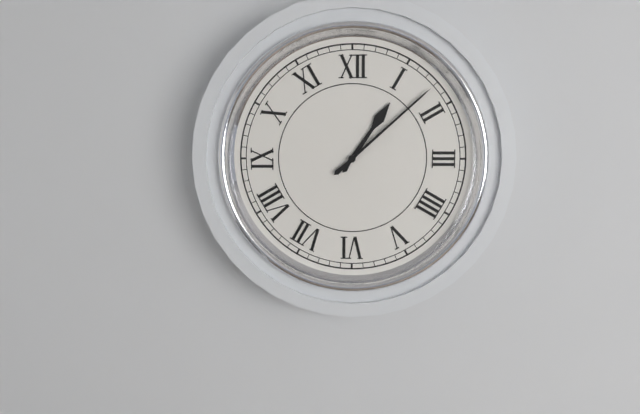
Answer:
1 h 08 min
